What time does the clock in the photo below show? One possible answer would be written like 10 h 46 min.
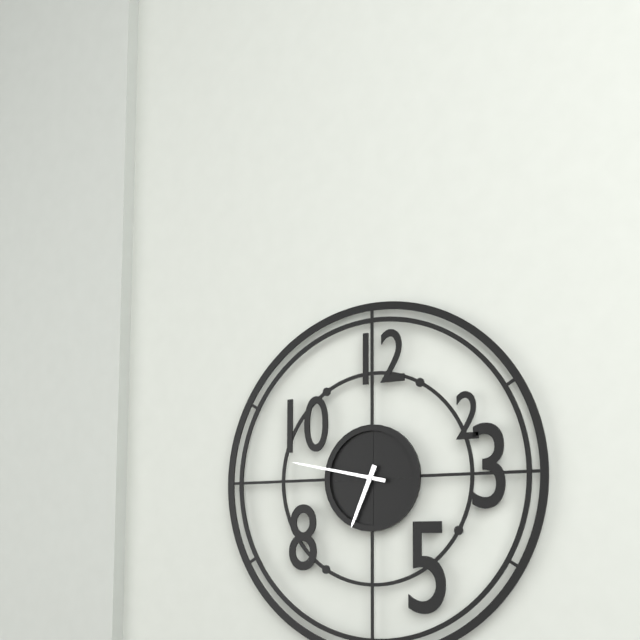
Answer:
6 h 47 min
